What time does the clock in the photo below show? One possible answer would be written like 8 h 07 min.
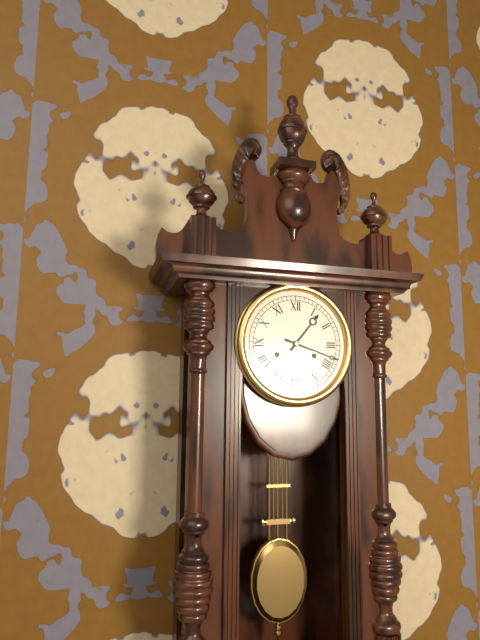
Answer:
1 h 18 min
